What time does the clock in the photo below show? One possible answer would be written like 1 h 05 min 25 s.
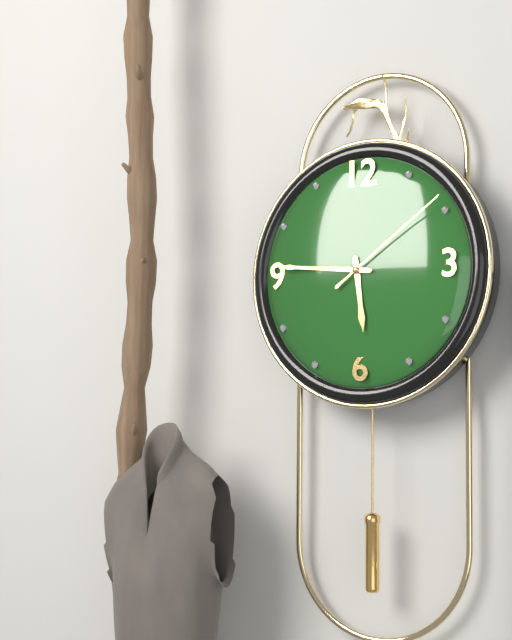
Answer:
5 h 46 min 09 s
